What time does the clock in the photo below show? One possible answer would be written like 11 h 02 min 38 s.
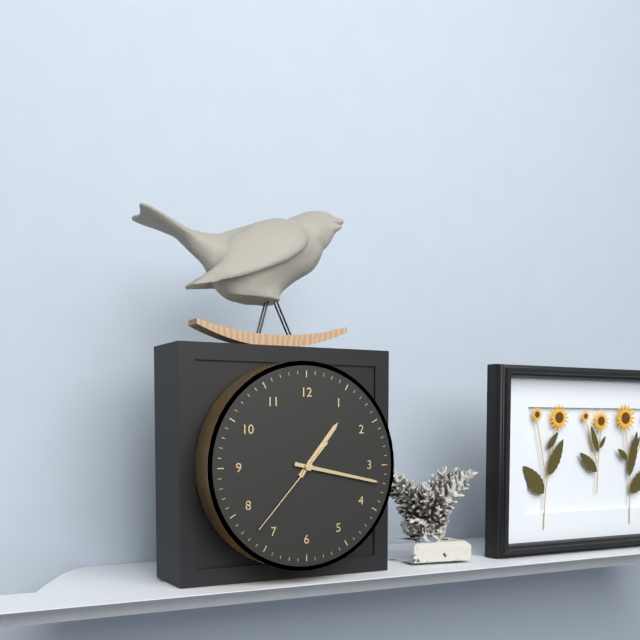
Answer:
1 h 17 min 37 s
